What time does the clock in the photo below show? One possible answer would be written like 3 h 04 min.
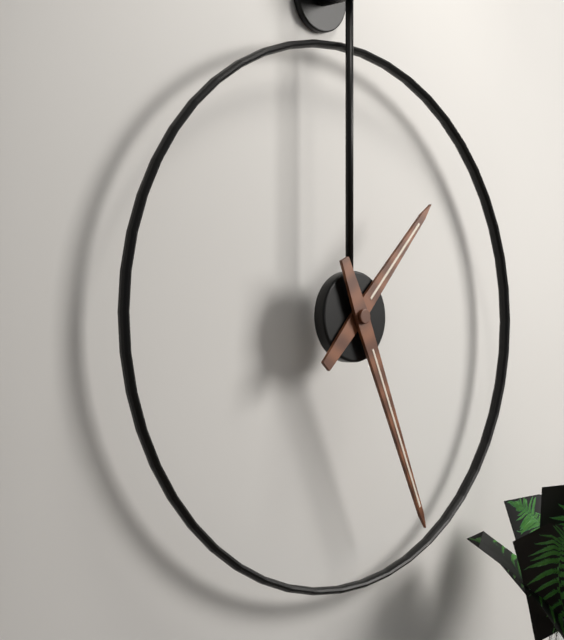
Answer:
1 h 26 min
